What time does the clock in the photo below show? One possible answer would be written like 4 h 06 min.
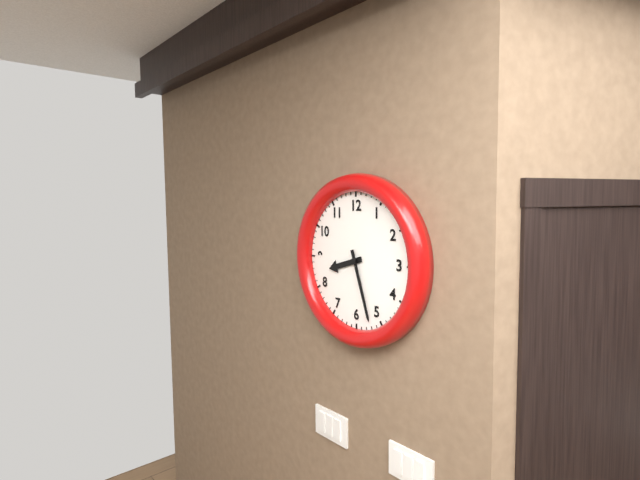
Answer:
8 h 27 min
